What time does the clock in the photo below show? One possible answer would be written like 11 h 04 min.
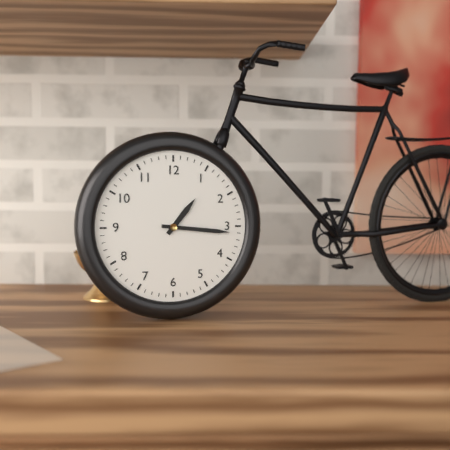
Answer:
1 h 16 min
